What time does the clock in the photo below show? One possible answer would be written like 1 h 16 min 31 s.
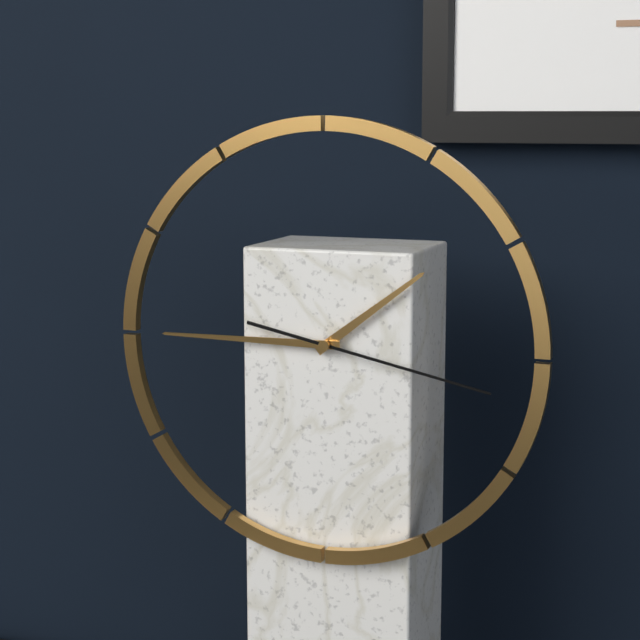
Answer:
1 h 45 min 17 s
